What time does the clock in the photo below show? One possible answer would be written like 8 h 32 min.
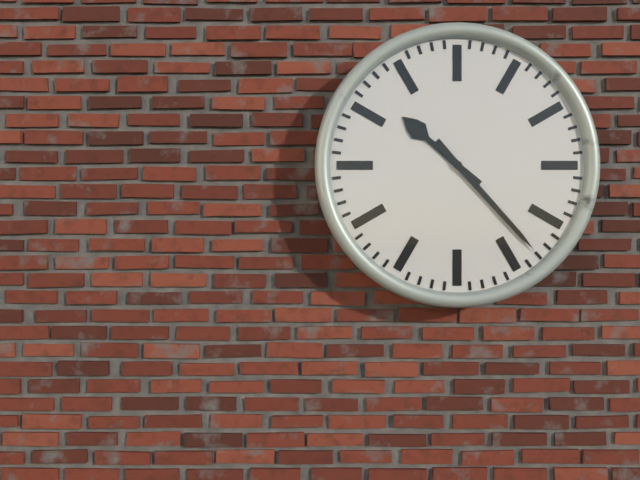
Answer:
10 h 23 min
